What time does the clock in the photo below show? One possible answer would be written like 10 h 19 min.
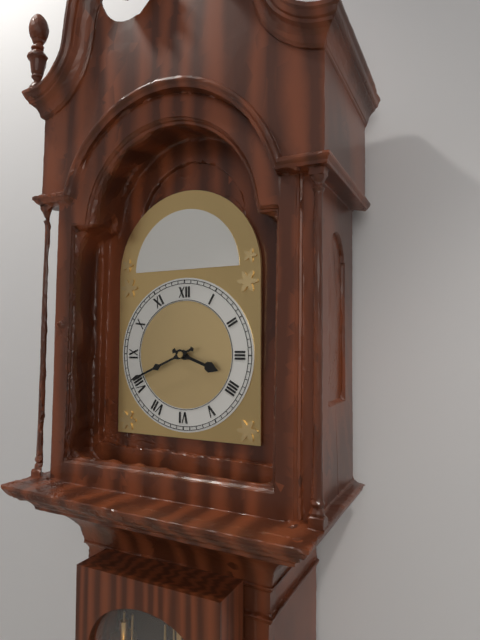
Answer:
3 h 41 min
